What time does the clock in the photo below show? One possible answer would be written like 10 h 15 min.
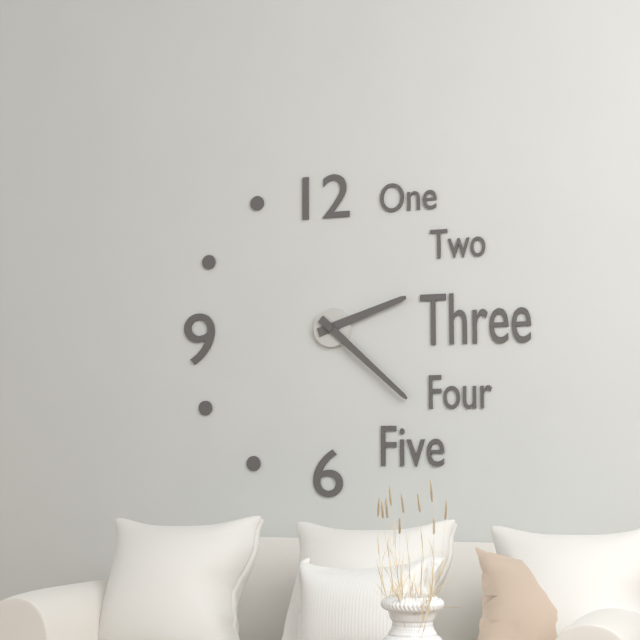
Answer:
2 h 22 min
